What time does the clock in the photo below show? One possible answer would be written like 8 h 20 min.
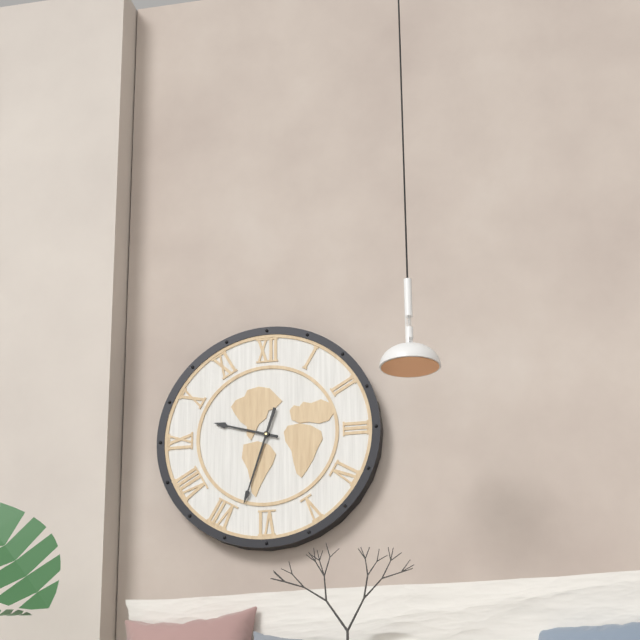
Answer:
9 h 33 min
